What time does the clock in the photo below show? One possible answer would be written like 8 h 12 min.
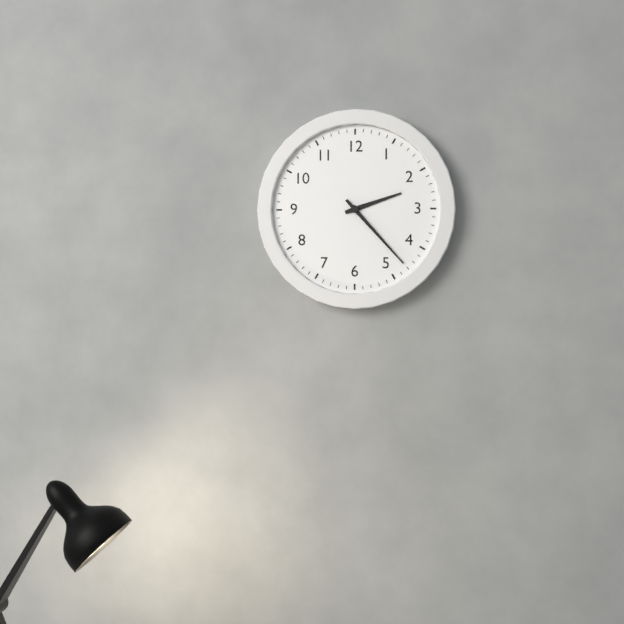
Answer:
2 h 23 min
